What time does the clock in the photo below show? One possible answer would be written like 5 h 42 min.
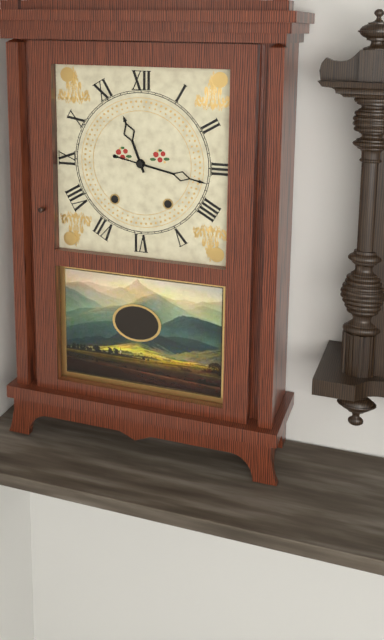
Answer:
11 h 17 min
